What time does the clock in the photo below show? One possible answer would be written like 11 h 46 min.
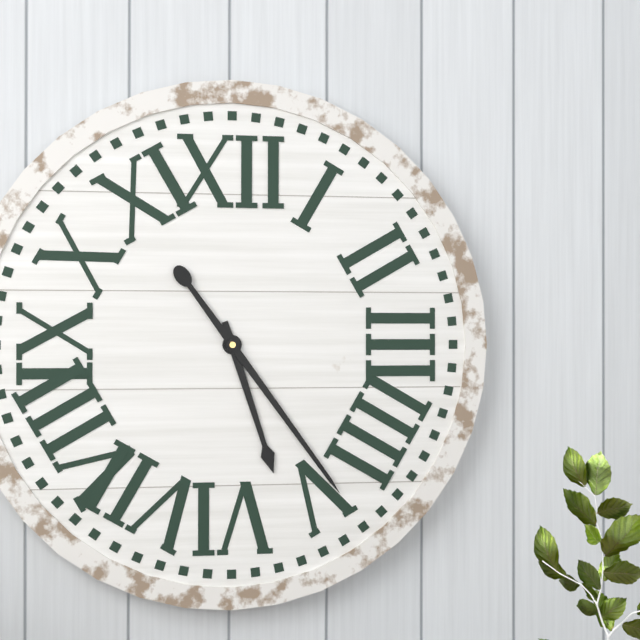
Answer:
5 h 24 min
